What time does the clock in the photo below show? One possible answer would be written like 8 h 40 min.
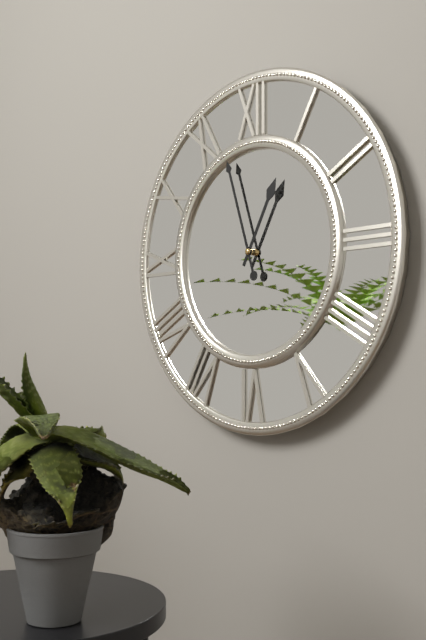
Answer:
12 h 57 min
